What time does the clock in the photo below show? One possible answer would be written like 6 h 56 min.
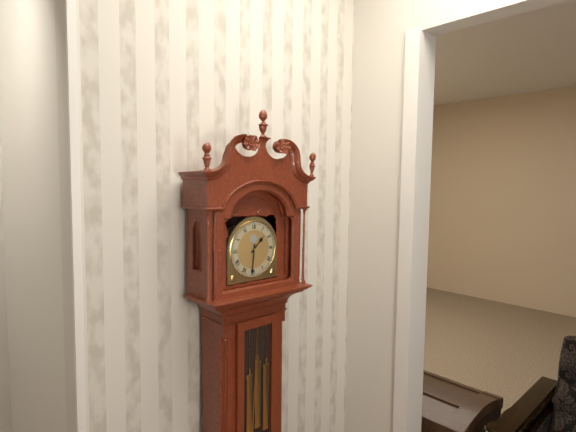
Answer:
1 h 31 min
